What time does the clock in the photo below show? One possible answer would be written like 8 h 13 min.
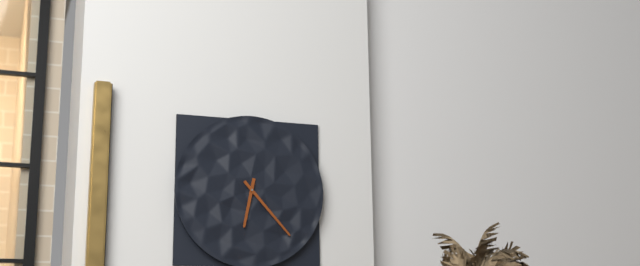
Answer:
6 h 23 min
